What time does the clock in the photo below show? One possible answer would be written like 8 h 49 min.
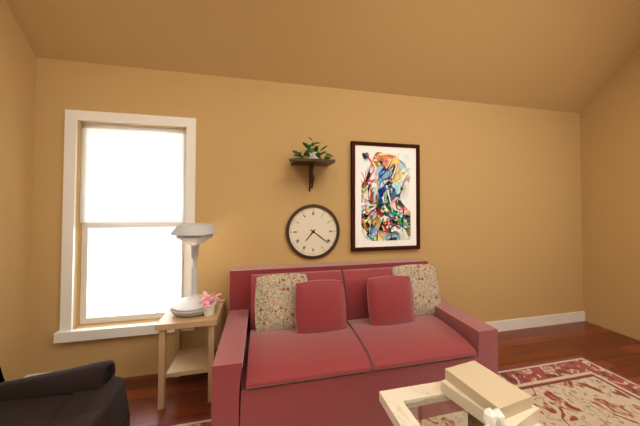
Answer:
7 h 21 min
